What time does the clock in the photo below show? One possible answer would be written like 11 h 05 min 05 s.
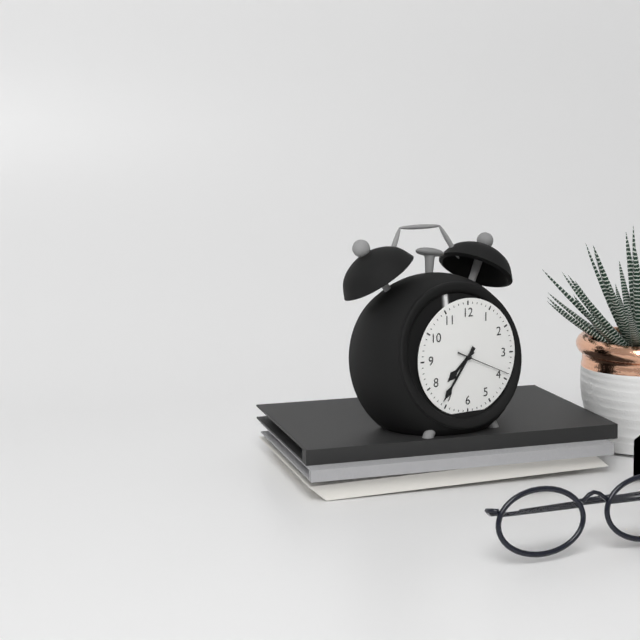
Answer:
7 h 36 min 19 s
